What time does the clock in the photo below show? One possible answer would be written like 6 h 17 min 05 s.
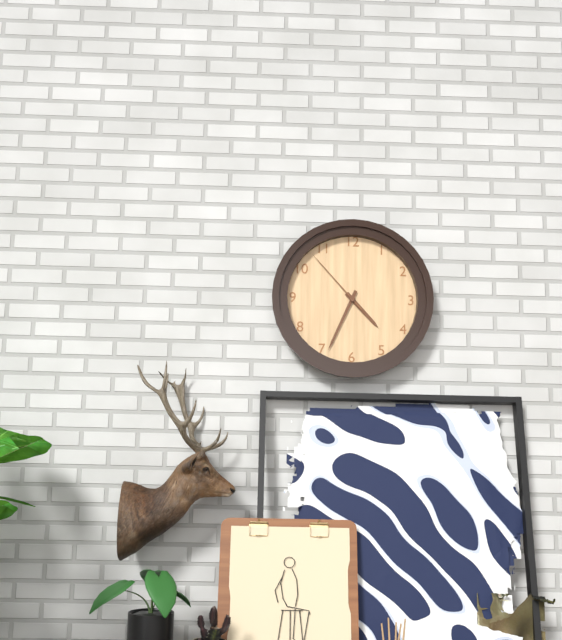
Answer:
4 h 34 min 53 s
